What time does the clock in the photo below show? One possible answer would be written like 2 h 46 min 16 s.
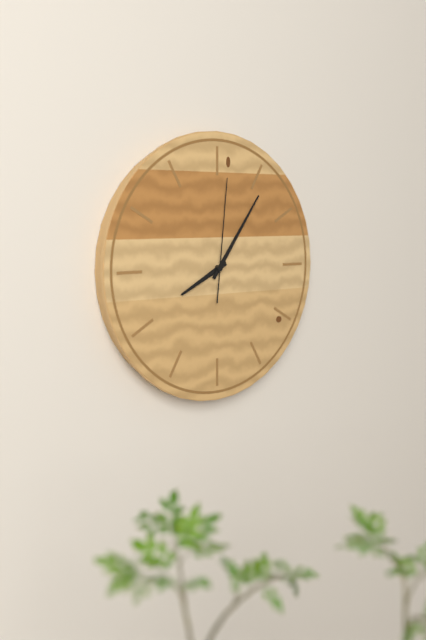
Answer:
8 h 06 min 01 s
